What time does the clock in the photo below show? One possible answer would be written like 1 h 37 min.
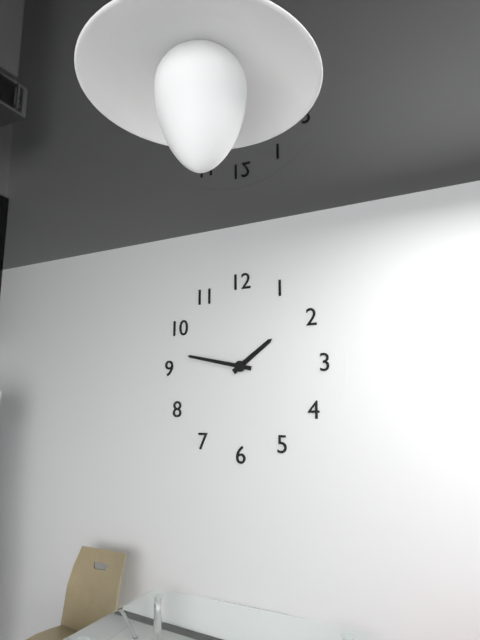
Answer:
1 h 47 min
